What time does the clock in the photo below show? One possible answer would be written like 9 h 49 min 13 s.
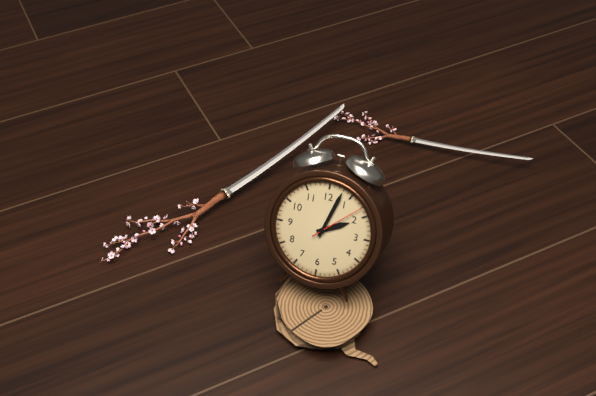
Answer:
2 h 03 min 08 s
